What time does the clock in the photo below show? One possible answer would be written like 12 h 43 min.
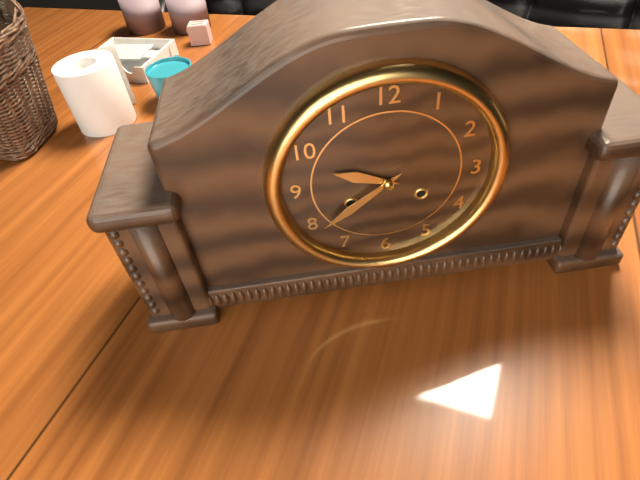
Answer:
9 h 39 min
